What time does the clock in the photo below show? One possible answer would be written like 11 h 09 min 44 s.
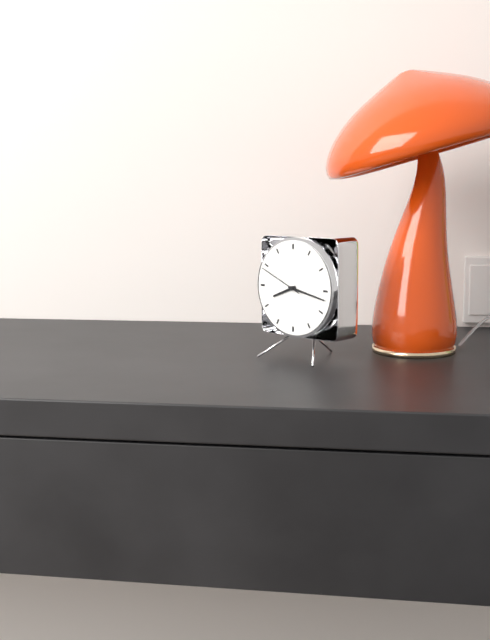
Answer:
8 h 17 min 49 s
